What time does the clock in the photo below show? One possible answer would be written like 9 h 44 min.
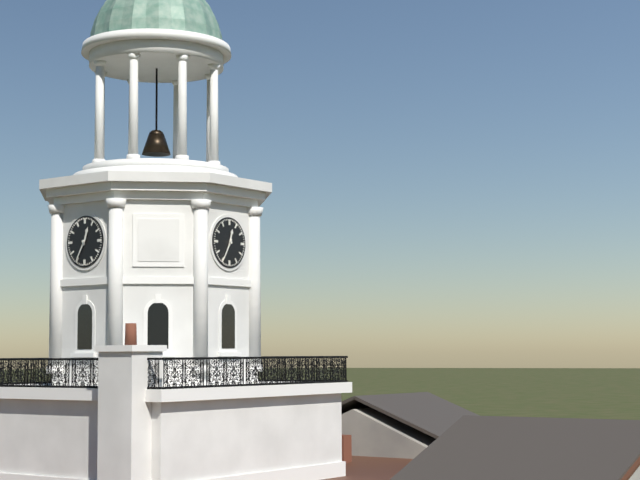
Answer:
12 h 35 min
